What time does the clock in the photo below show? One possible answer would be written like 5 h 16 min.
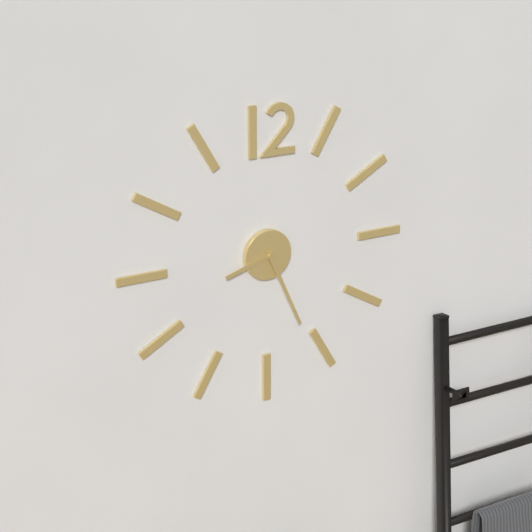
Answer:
8 h 26 min
